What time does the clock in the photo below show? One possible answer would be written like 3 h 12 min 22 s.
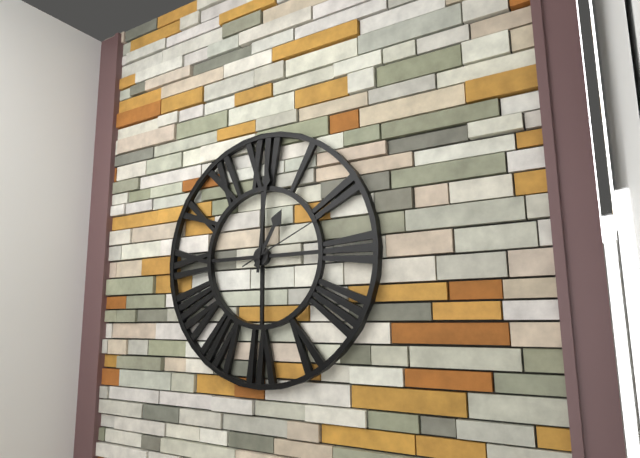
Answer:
1 h 01 min 11 s
